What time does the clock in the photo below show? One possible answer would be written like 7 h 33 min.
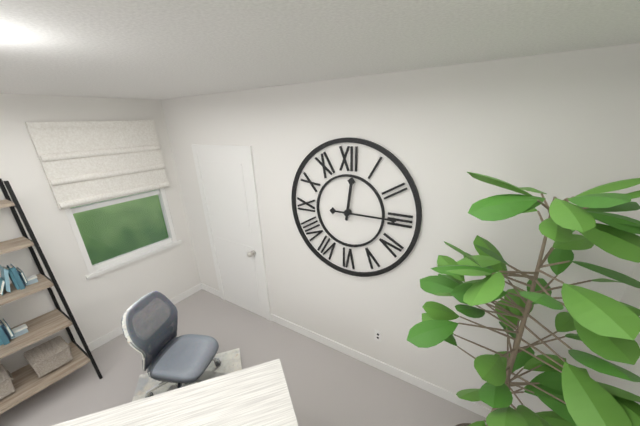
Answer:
12 h 15 min
